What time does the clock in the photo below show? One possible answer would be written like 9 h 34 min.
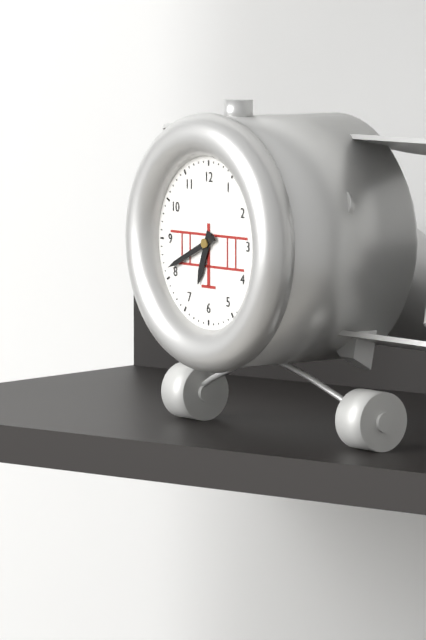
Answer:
6 h 41 min
